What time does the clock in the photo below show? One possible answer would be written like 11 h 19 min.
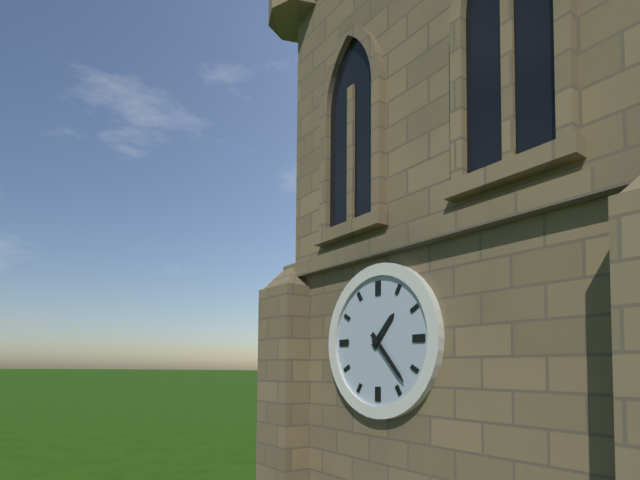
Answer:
1 h 23 min
